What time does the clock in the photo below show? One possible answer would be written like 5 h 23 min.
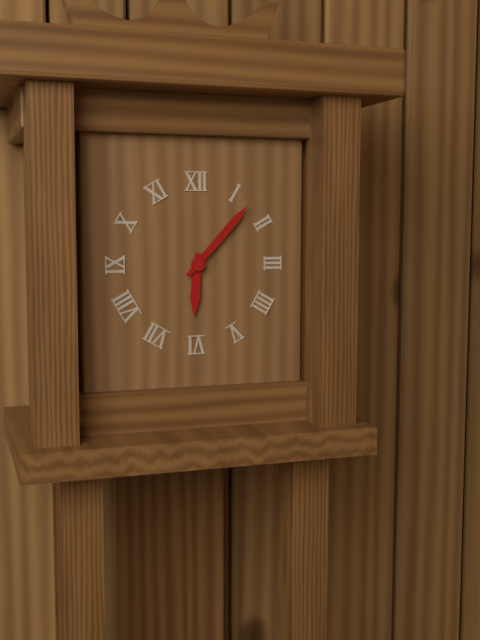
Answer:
6 h 07 min
